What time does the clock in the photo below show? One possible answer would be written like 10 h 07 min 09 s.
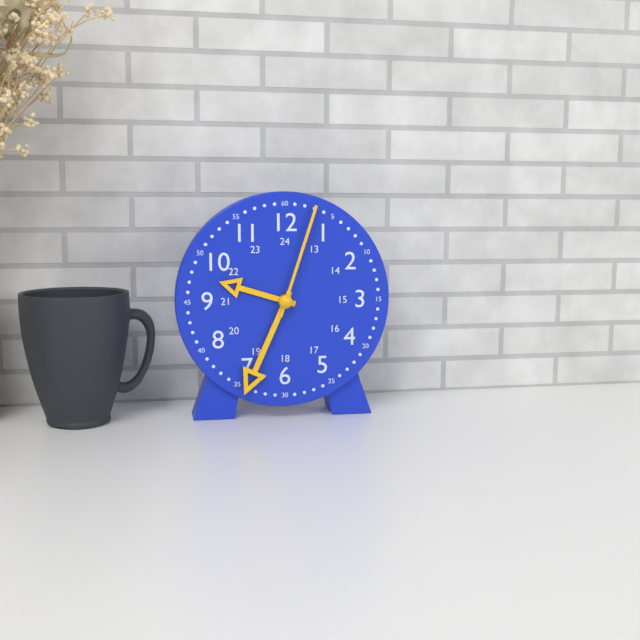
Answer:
9 h 34 min 03 s
